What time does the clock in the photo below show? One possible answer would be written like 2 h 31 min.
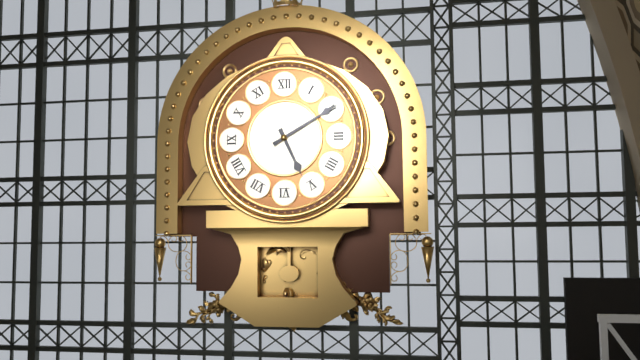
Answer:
5 h 10 min
